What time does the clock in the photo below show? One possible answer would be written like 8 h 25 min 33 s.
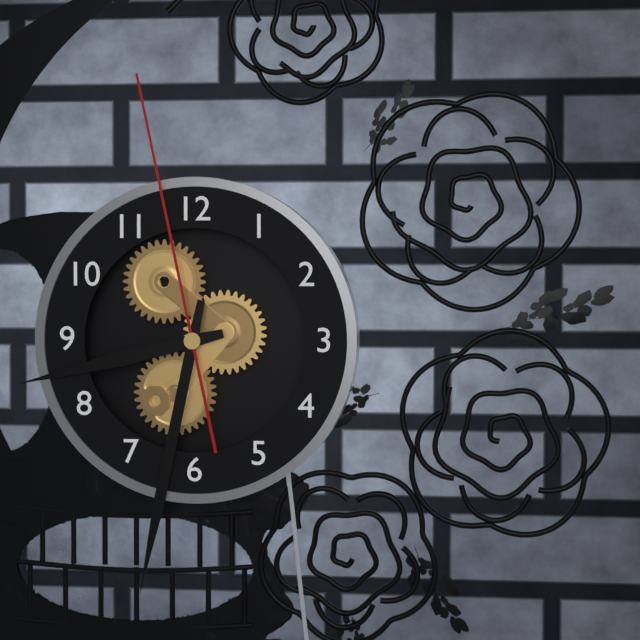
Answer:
8 h 32 min 58 s
